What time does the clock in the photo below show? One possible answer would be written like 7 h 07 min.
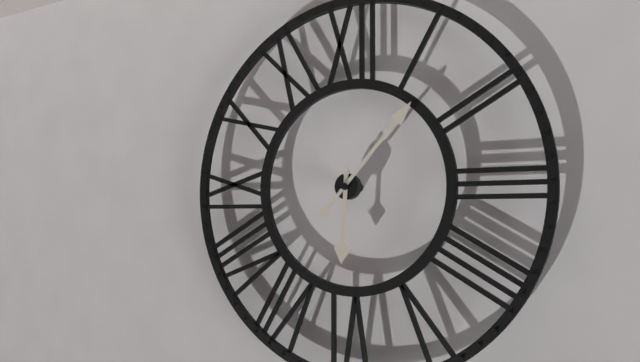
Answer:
6 h 07 min
